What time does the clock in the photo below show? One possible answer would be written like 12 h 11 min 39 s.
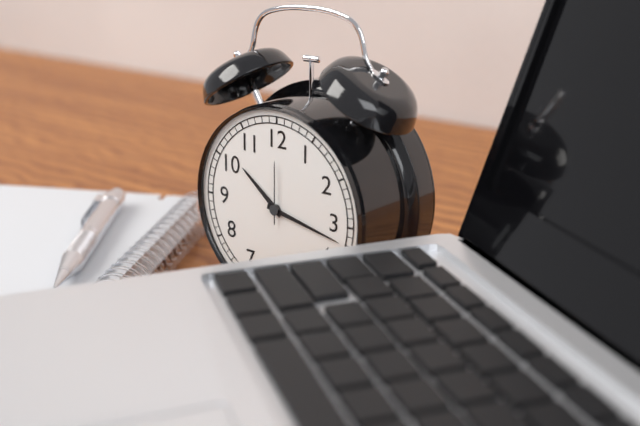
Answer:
10 h 17 min 00 s
